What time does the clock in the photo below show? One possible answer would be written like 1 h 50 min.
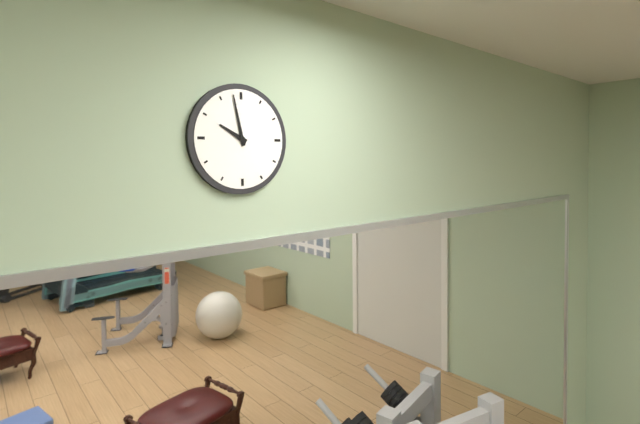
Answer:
9 h 58 min
